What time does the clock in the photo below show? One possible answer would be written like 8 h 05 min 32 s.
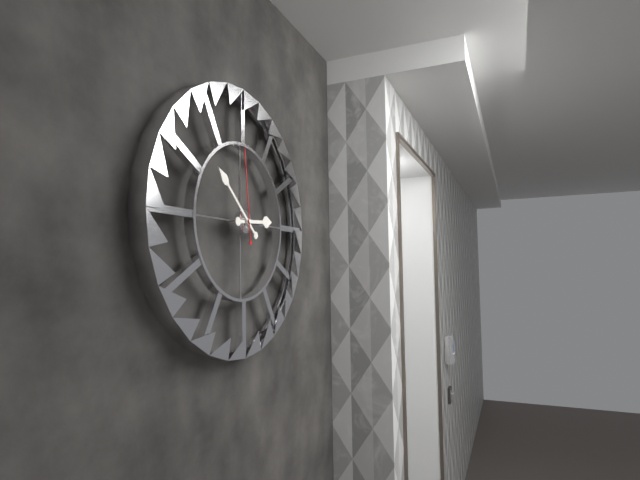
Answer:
2 h 52 min 59 s
